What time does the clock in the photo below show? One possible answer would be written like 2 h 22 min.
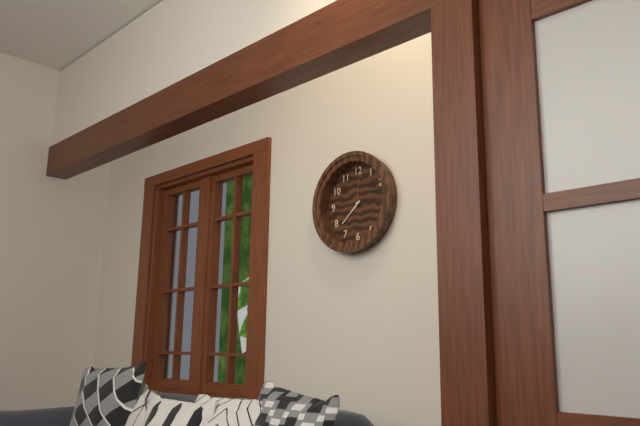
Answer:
7 h 38 min
